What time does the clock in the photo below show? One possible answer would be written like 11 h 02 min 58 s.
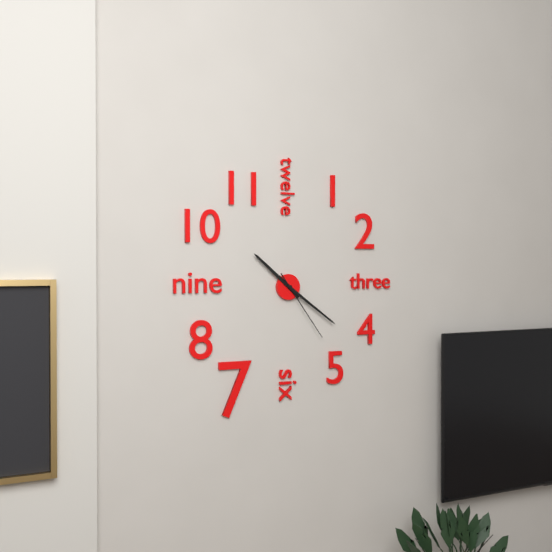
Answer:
10 h 21 min 24 s
